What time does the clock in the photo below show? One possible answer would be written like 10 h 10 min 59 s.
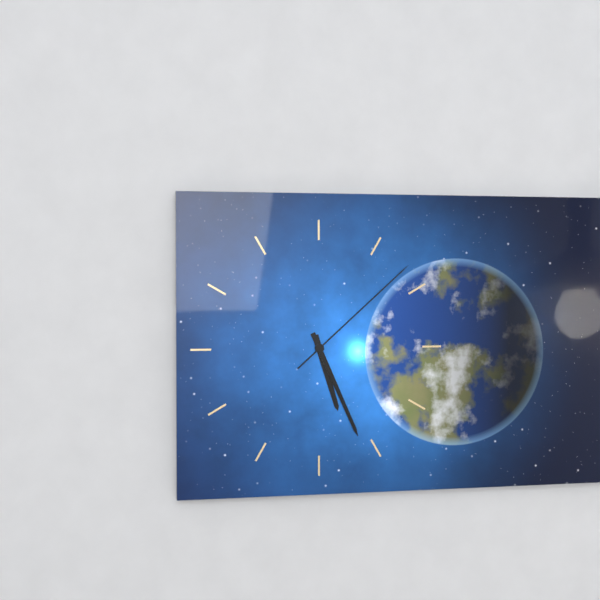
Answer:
5 h 26 min 08 s
